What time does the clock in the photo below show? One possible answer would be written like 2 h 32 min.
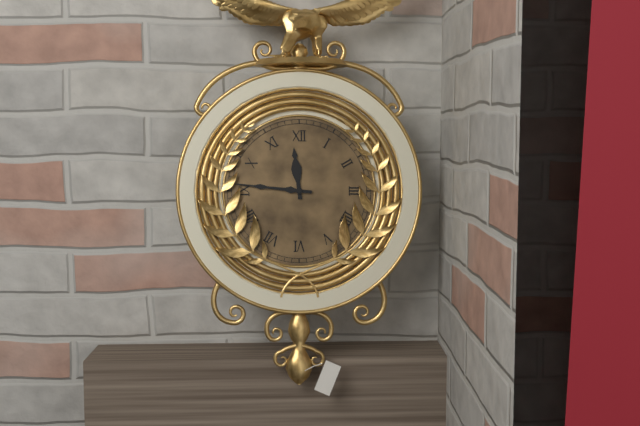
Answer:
11 h 46 min
